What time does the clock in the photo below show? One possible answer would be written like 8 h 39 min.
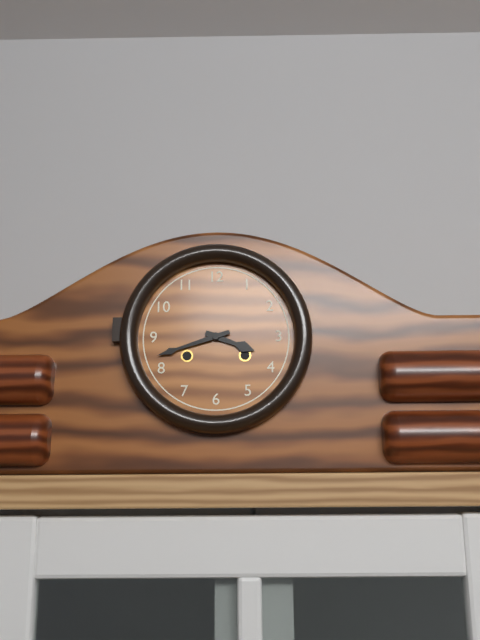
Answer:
3 h 42 min
